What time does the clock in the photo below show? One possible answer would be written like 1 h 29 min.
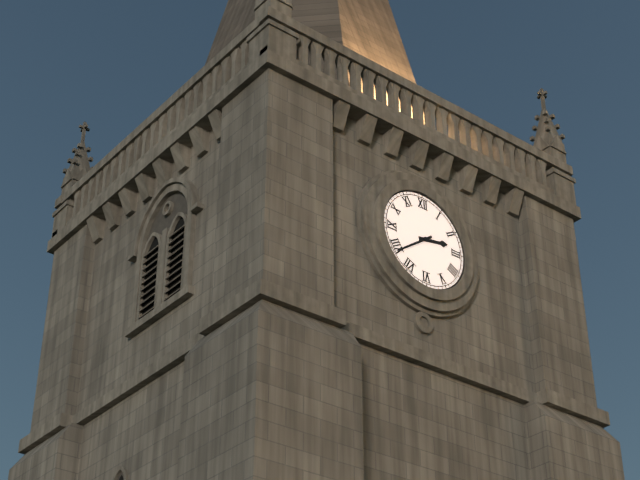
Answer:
2 h 39 min
